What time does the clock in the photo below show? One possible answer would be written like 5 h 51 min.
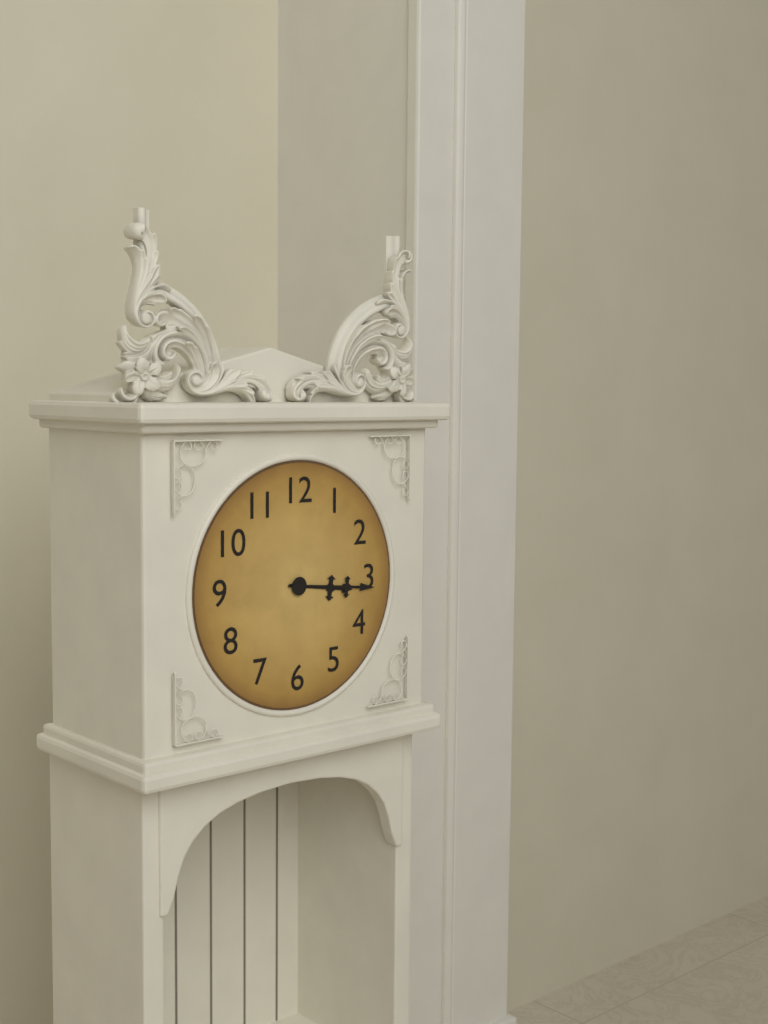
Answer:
3 h 16 min
